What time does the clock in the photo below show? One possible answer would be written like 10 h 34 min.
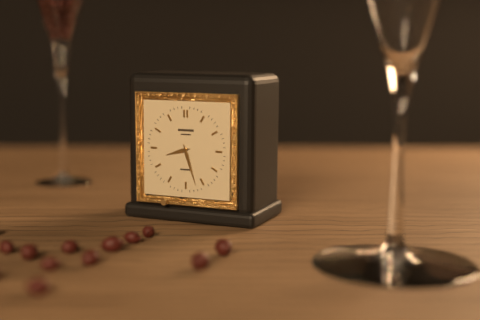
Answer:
8 h 27 min
